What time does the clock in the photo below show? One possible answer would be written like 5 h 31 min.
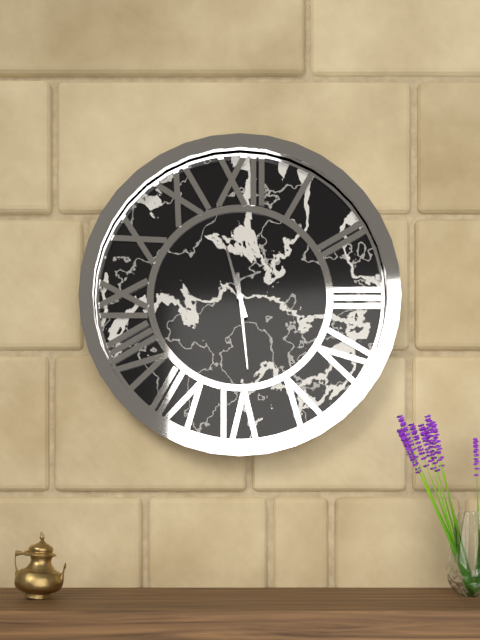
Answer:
11 h 29 min
